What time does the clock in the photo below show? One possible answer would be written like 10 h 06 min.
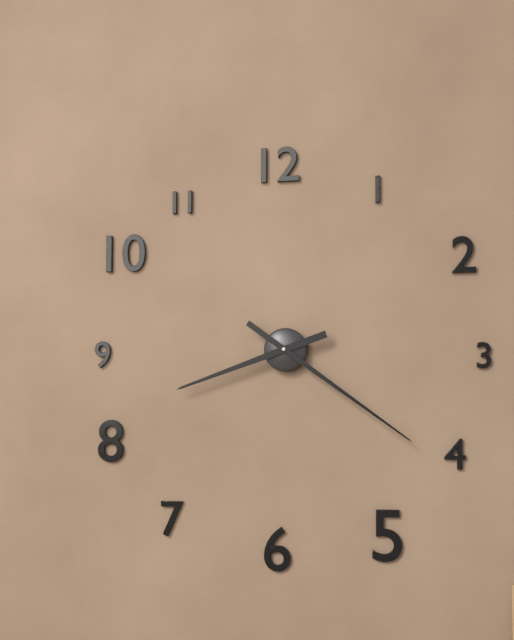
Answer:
8 h 21 min
